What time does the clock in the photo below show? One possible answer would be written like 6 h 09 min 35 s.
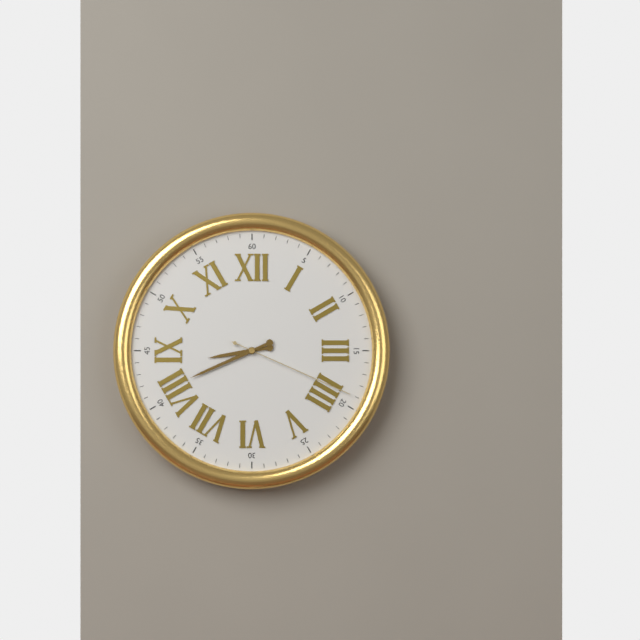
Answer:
8 h 41 min 19 s
